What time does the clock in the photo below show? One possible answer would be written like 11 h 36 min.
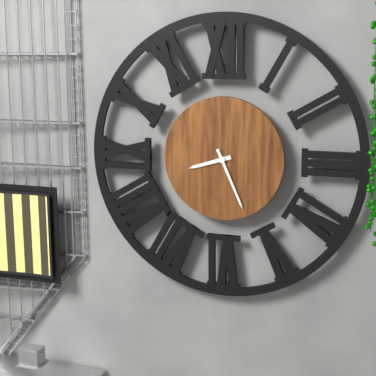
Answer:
8 h 26 min
